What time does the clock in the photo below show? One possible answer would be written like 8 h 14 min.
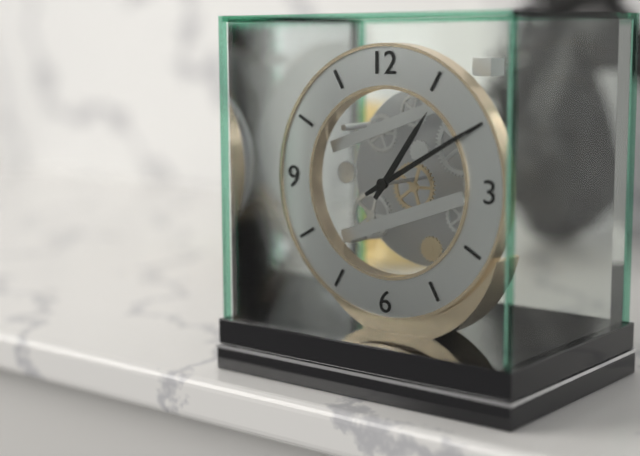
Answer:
1 h 10 min
